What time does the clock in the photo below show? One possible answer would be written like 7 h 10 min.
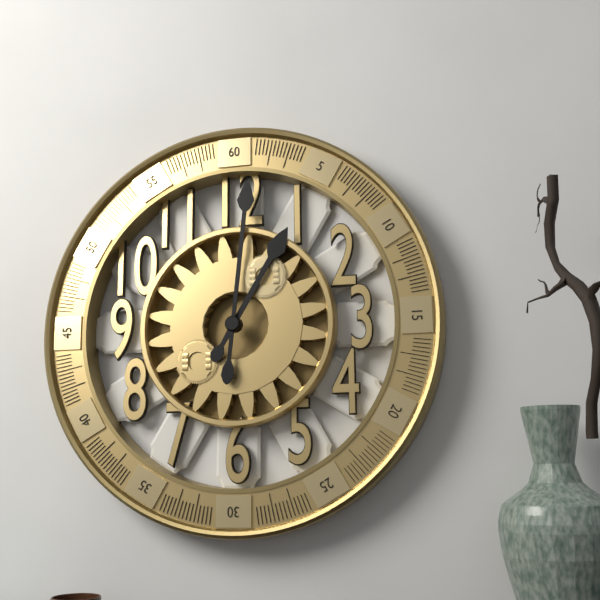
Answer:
1 h 01 min
